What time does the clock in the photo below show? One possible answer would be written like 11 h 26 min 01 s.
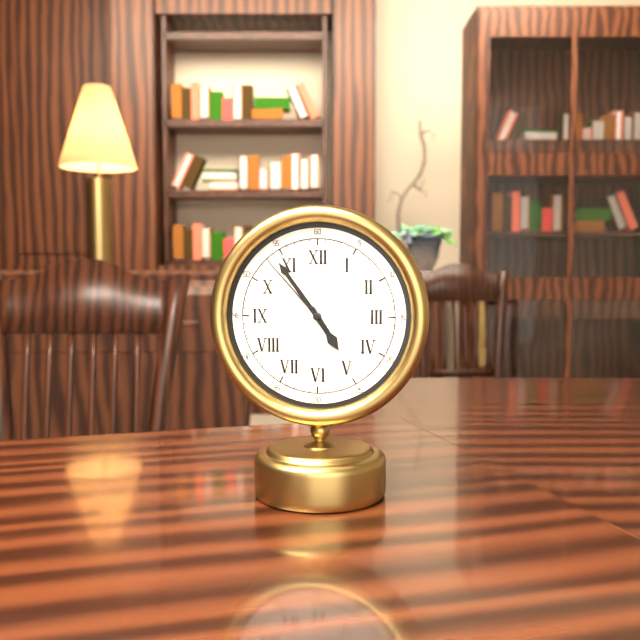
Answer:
4 h 54 min 53 s
